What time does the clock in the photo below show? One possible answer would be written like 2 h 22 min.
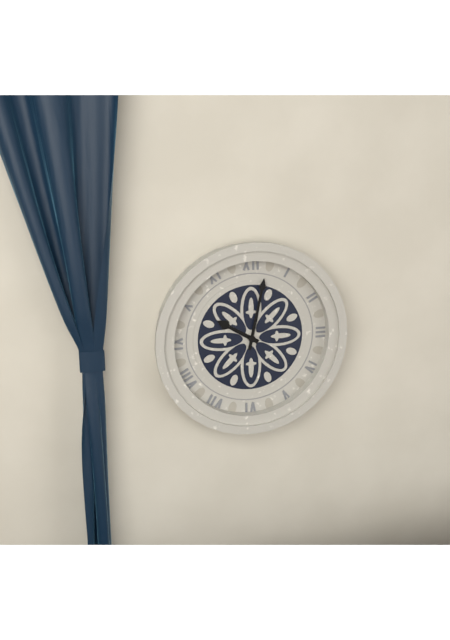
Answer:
10 h 02 min
